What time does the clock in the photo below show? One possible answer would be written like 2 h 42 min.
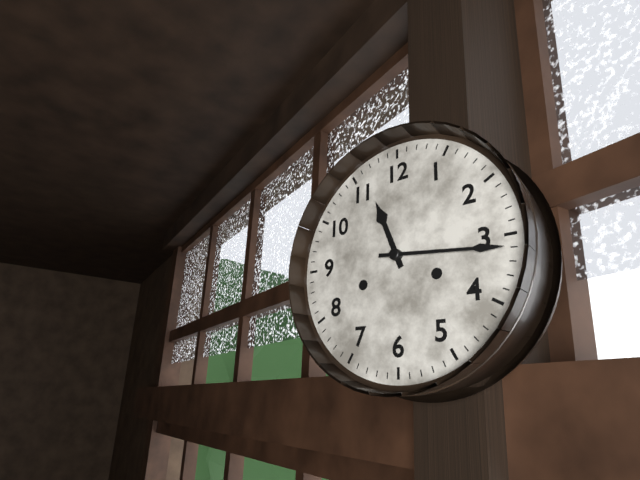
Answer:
11 h 16 min
